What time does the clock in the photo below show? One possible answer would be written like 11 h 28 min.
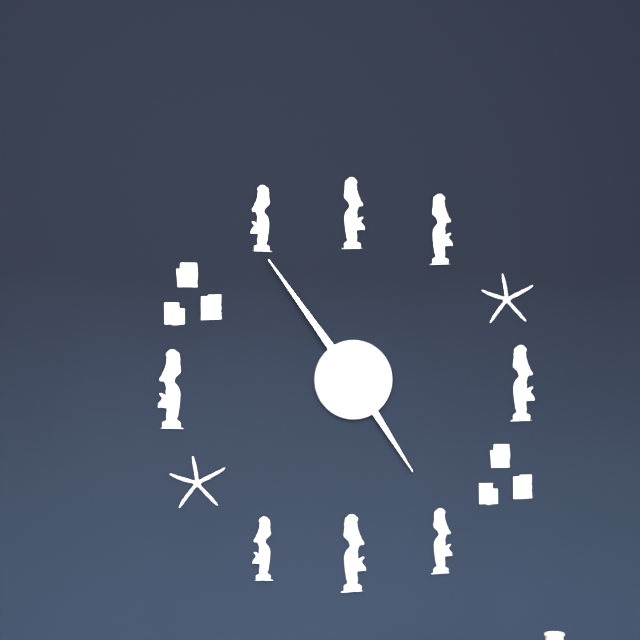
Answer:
4 h 54 min
